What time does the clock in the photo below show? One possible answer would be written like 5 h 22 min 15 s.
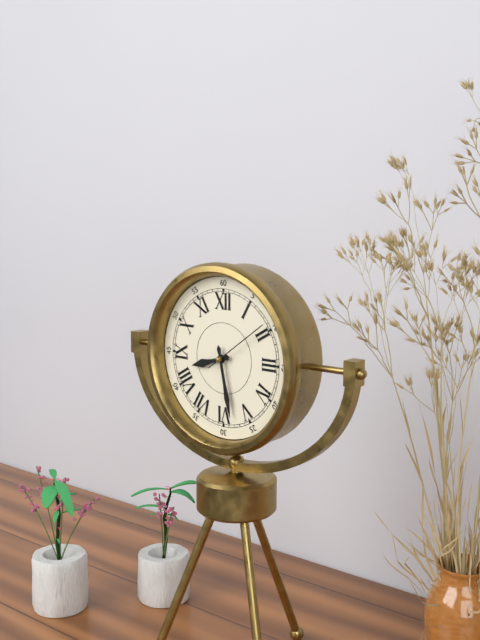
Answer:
8 h 28 min 09 s
